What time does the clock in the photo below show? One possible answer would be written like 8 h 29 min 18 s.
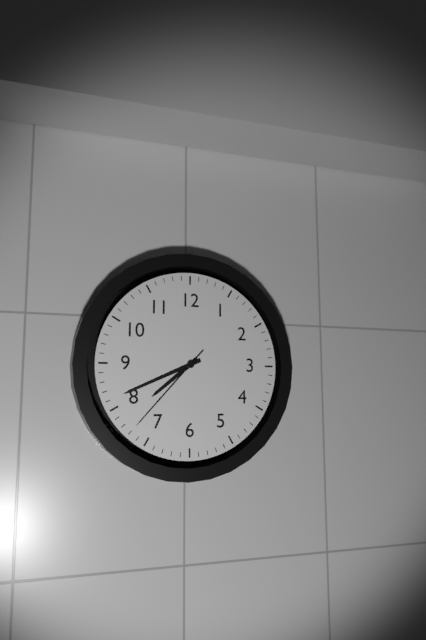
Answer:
7 h 41 min 37 s
